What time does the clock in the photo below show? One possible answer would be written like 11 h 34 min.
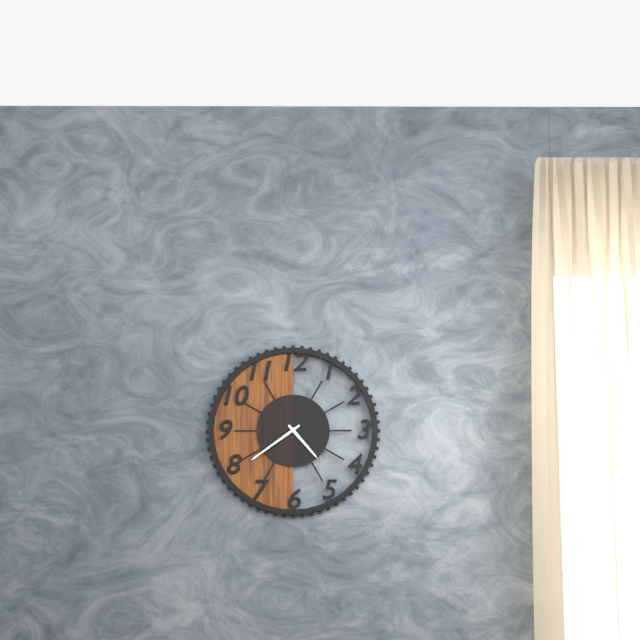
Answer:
4 h 39 min
